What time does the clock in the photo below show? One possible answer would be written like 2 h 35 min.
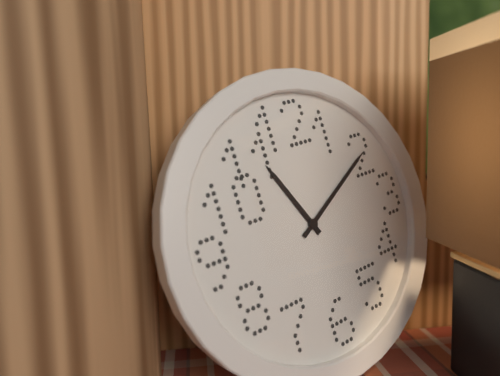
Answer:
11 h 10 min
